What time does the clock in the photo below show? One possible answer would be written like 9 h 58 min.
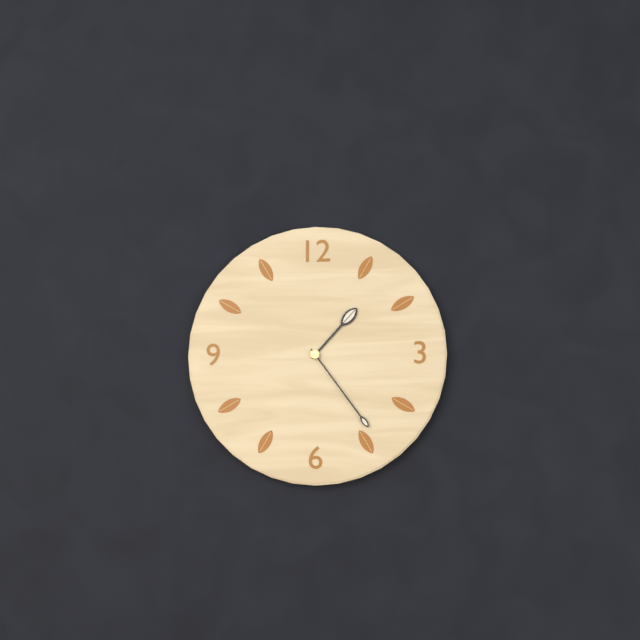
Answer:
1 h 24 min
